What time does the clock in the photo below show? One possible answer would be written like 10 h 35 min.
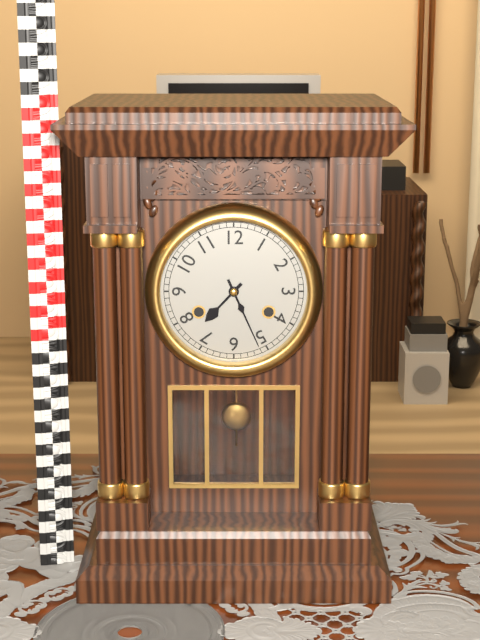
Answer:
7 h 26 min
